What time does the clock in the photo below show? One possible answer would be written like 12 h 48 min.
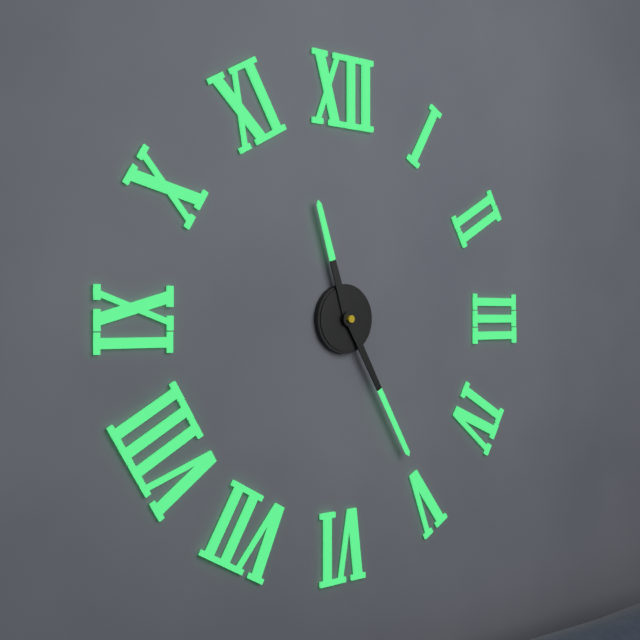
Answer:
11 h 25 min
